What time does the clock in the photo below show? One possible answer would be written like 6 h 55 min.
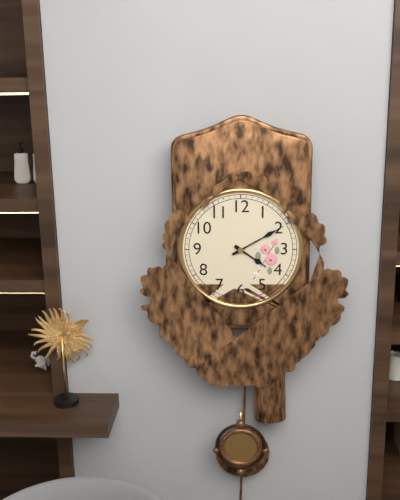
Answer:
4 h 10 min
